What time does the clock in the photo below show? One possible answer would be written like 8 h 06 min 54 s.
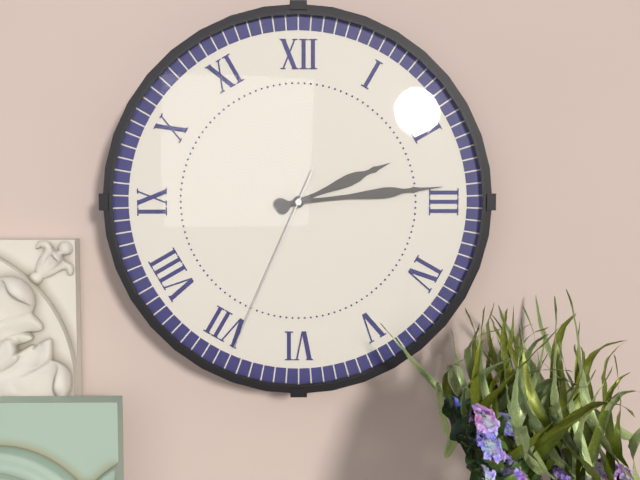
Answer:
2 h 14 min 34 s
